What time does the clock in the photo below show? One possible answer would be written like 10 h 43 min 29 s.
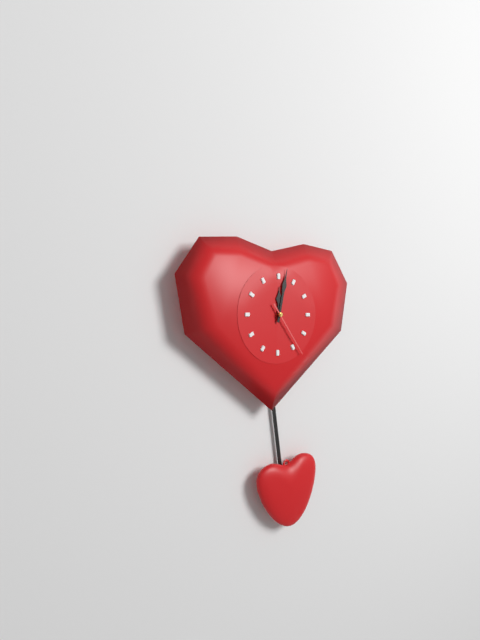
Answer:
12 h 02 min 24 s
